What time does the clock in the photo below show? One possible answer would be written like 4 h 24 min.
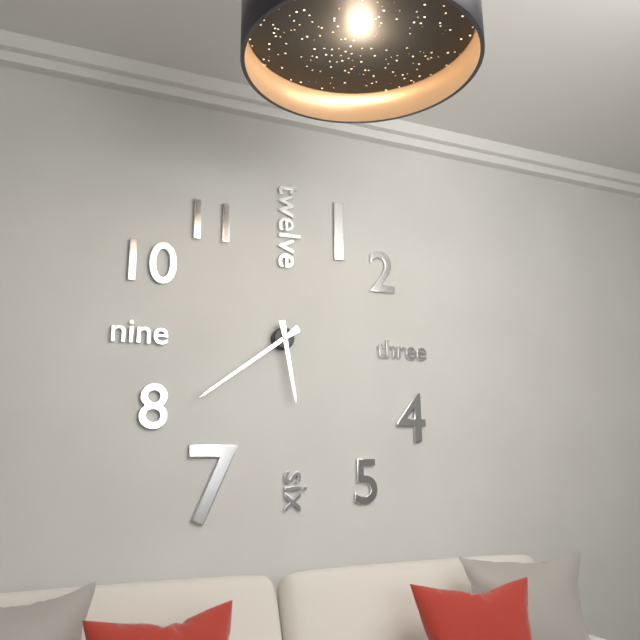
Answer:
5 h 39 min
